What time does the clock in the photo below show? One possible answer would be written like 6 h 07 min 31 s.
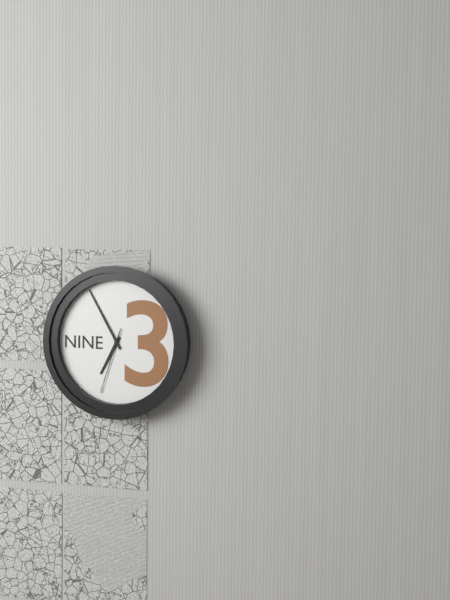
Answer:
6 h 55 min 33 s
